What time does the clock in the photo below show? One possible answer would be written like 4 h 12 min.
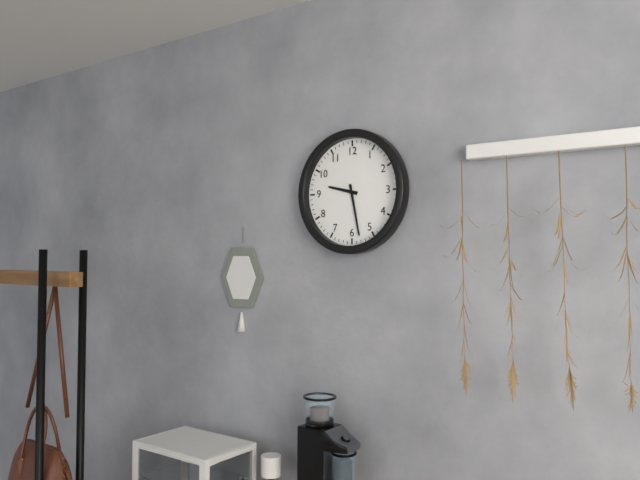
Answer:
9 h 28 min
